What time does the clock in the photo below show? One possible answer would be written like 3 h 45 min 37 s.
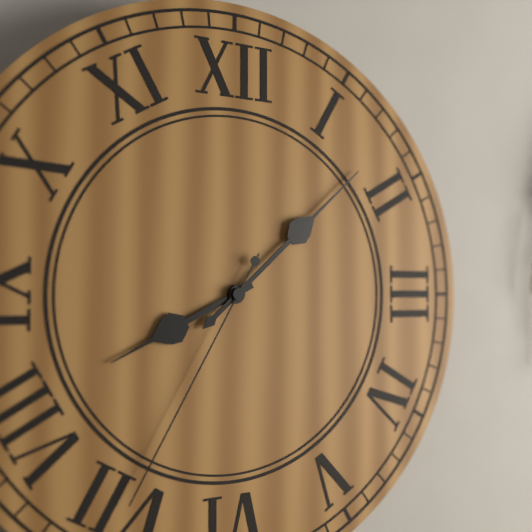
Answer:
8 h 08 min 35 s
